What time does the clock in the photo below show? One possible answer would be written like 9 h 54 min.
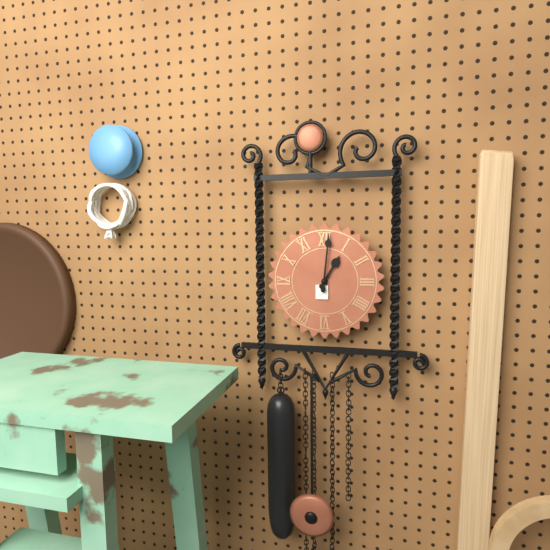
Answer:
1 h 01 min
